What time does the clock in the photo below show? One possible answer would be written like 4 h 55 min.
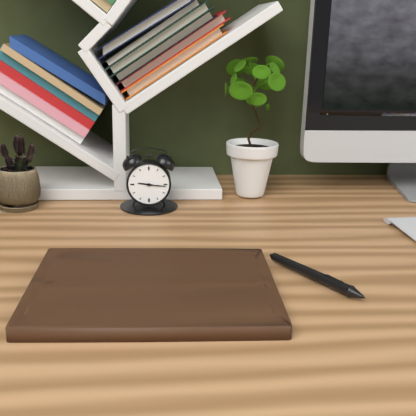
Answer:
9 h 16 min
